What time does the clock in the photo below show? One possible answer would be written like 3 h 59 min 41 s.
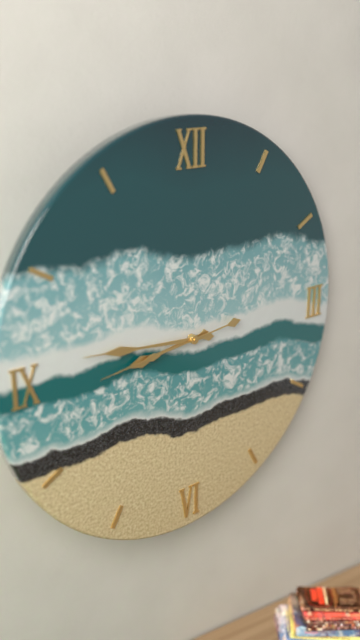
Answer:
8 h 46 min 44 s
